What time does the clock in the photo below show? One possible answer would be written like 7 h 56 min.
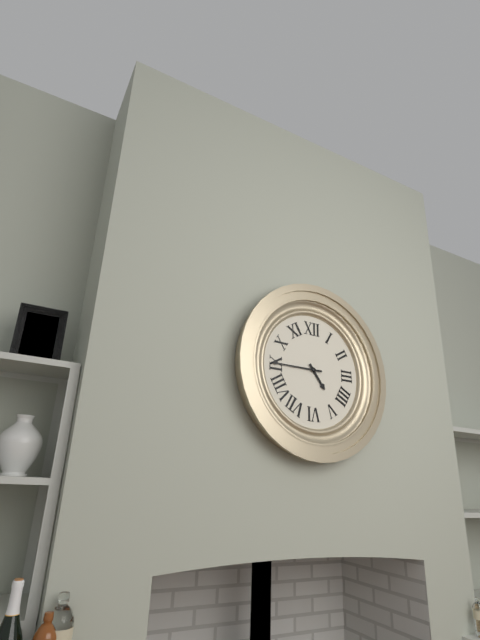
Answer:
4 h 45 min
